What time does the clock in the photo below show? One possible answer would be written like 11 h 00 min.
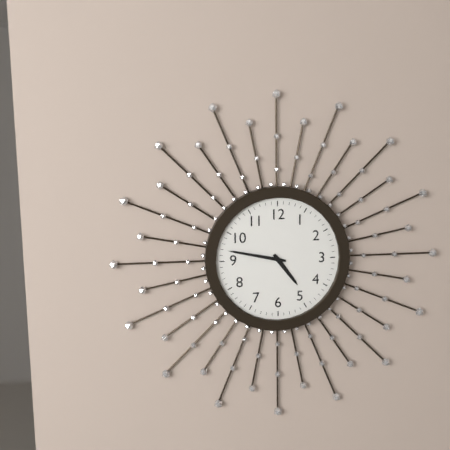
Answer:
4 h 47 min
